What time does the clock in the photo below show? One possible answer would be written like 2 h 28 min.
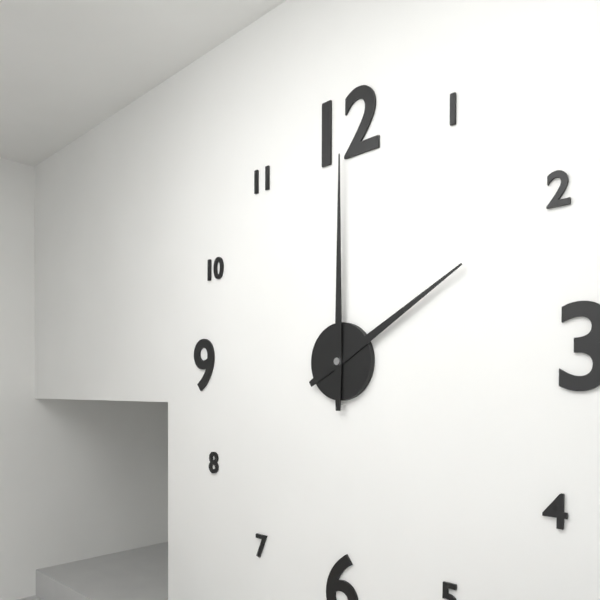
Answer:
2 h 00 min
